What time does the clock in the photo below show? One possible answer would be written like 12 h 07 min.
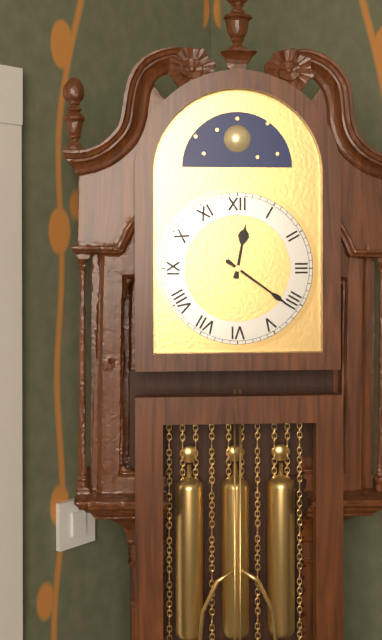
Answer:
12 h 21 min
